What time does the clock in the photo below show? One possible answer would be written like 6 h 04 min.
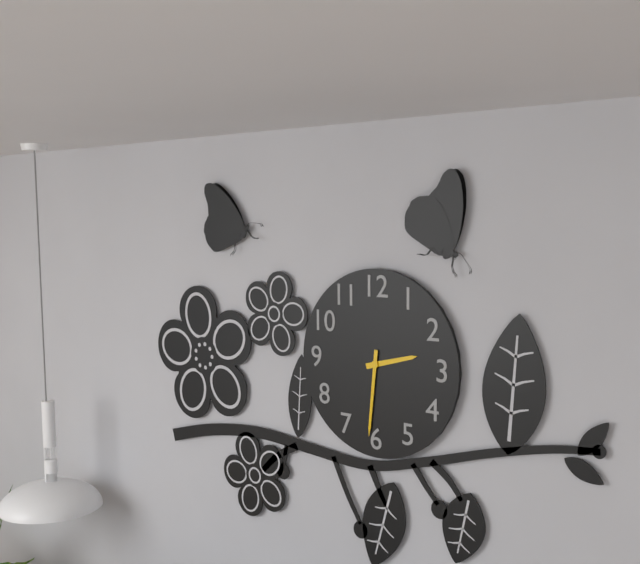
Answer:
2 h 31 min
